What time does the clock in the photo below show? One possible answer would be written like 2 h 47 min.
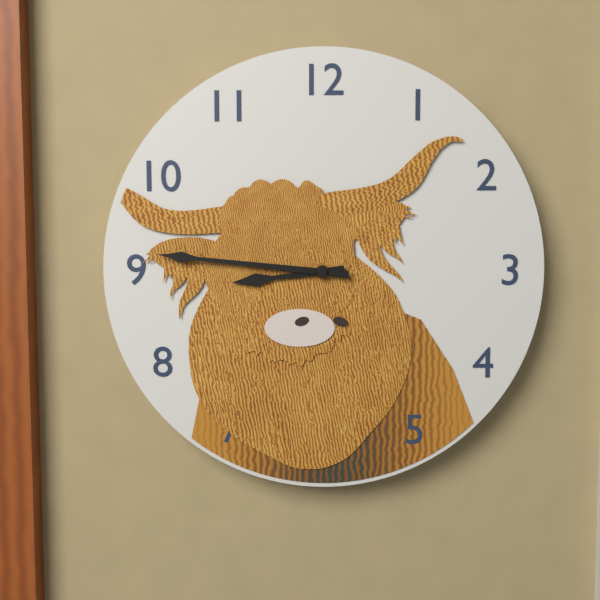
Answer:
8 h 46 min
